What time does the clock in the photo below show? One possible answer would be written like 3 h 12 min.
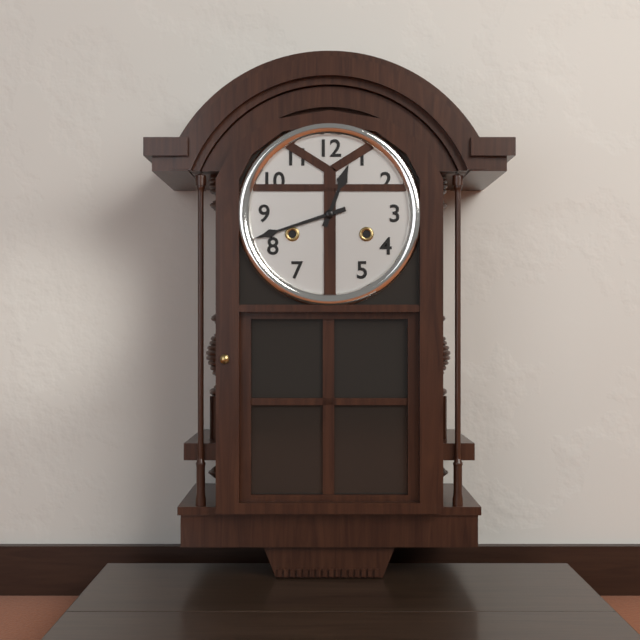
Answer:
12 h 42 min
